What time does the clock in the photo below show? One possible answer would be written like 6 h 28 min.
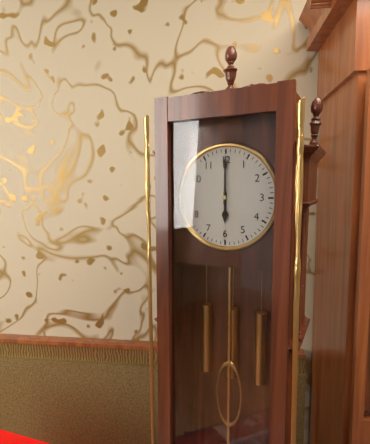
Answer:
6 h 00 min
